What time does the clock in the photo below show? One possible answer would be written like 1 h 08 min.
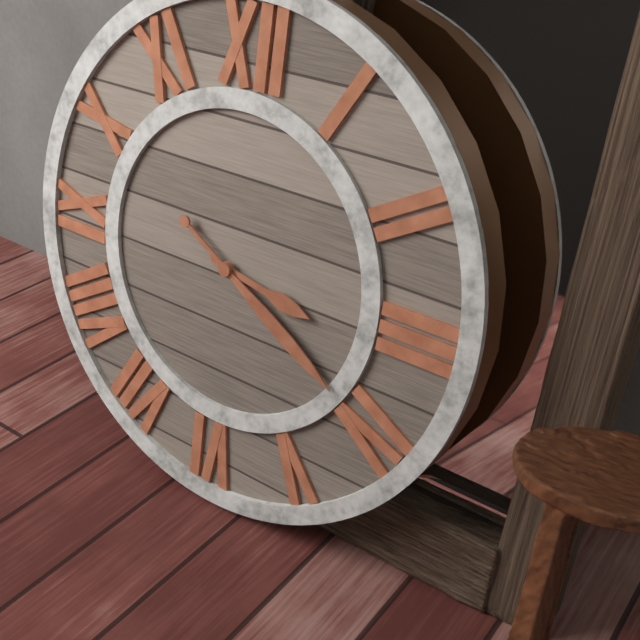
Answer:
3 h 20 min
